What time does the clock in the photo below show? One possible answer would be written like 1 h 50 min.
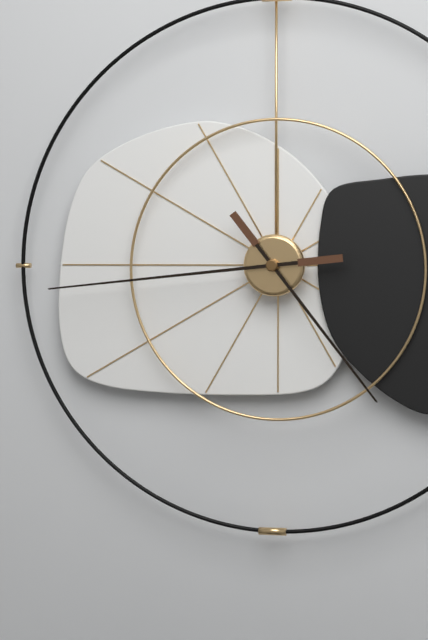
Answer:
4 h 44 min
